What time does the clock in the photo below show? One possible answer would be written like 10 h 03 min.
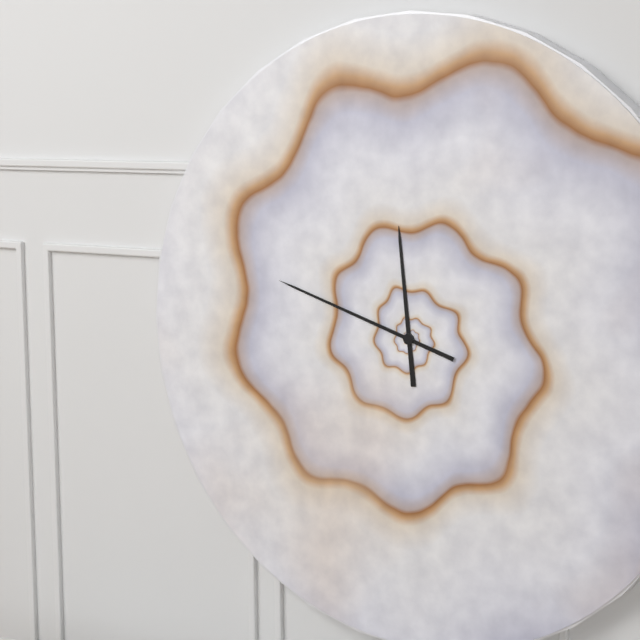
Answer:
11 h 48 min
